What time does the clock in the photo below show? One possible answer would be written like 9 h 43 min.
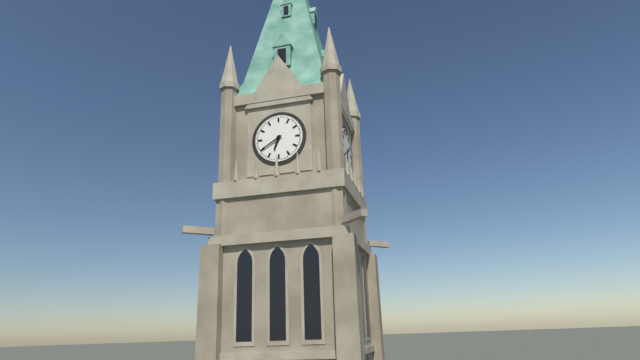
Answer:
6 h 40 min
